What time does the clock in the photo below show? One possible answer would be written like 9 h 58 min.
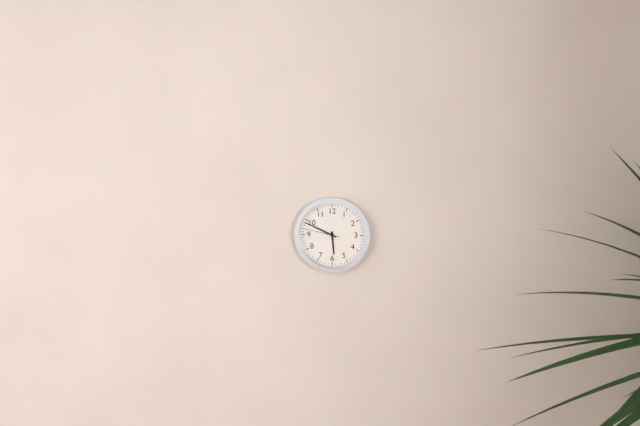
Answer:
5 h 49 min
